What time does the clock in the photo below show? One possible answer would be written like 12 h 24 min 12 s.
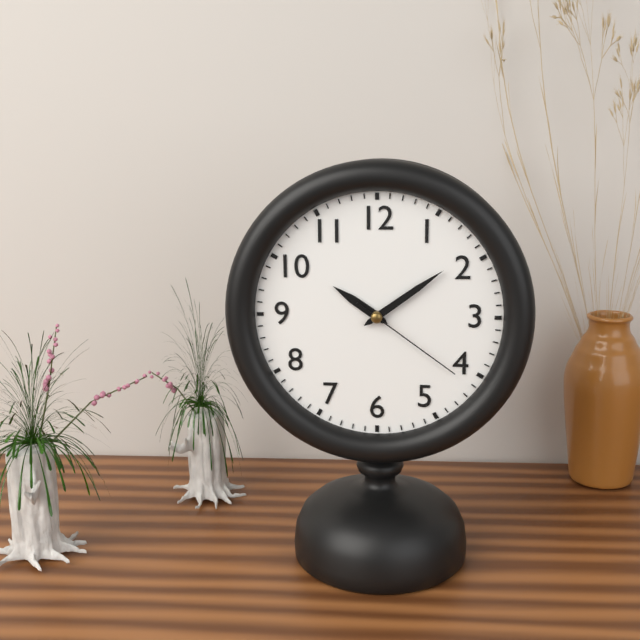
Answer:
10 h 09 min 21 s
